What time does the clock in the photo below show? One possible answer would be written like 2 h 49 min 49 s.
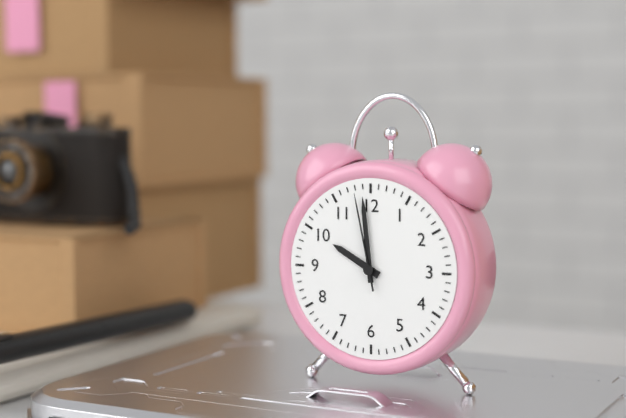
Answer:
9 h 59 min 58 s
